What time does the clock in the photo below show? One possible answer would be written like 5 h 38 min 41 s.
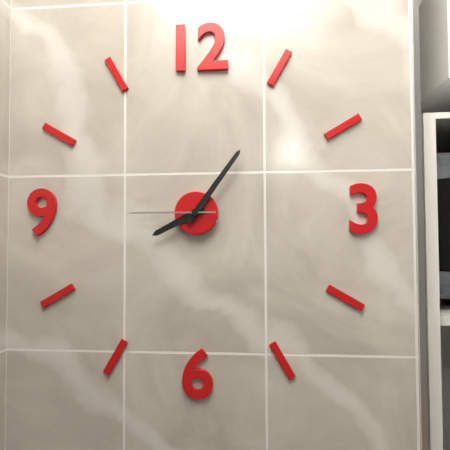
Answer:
8 h 06 min 45 s
